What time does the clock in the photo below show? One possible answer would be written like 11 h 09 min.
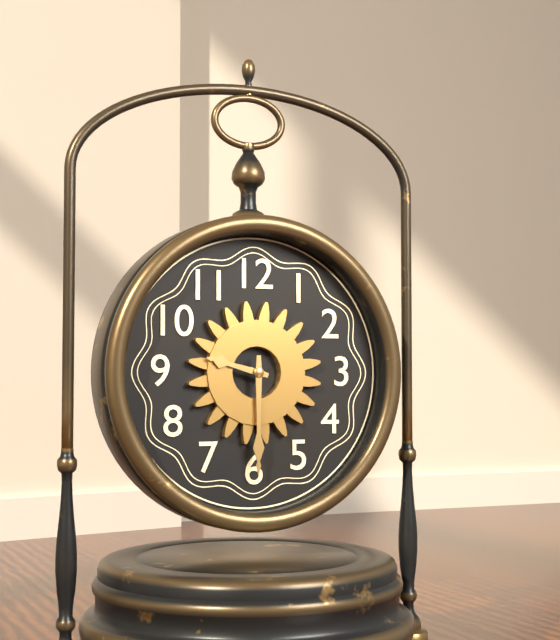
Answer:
9 h 30 min
